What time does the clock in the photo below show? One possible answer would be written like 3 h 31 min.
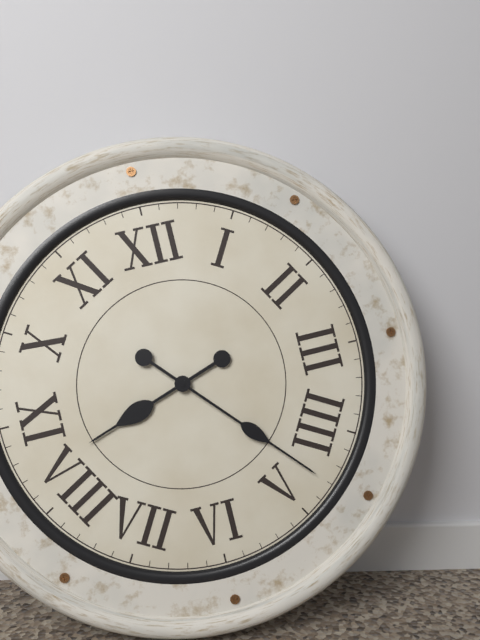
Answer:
8 h 23 min
